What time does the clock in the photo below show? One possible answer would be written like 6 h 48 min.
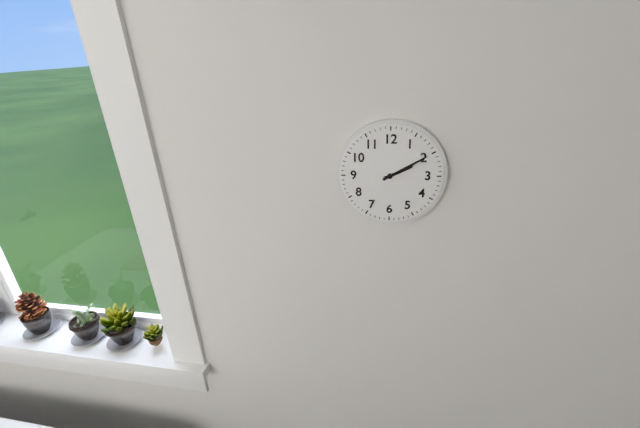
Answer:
2 h 10 min
